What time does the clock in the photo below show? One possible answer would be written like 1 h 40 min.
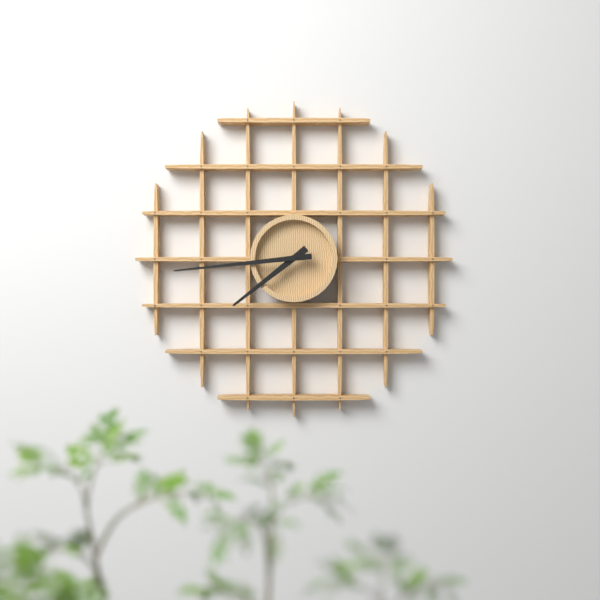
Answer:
7 h 44 min
